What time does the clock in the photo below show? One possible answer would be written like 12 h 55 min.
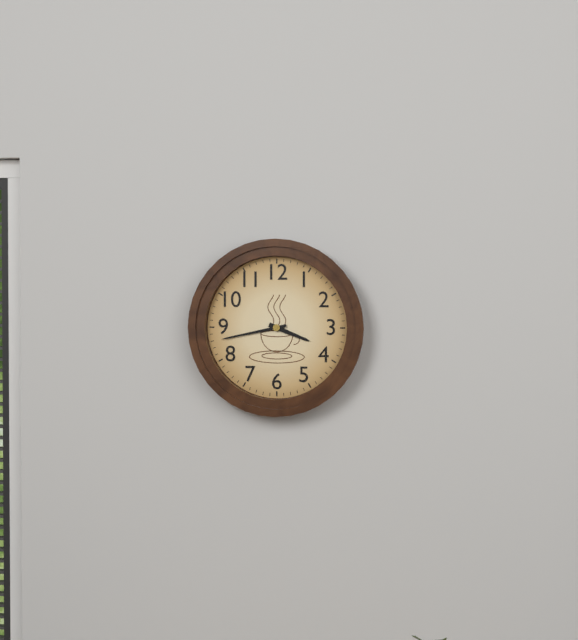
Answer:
3 h 43 min
